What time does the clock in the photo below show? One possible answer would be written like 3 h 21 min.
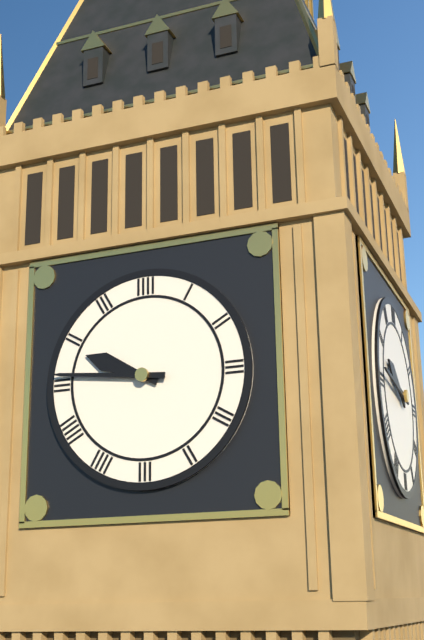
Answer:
9 h 46 min
